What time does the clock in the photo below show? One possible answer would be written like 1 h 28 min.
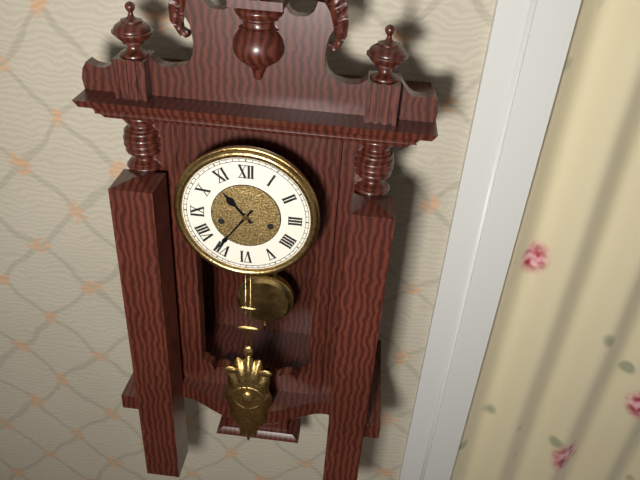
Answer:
10 h 36 min
